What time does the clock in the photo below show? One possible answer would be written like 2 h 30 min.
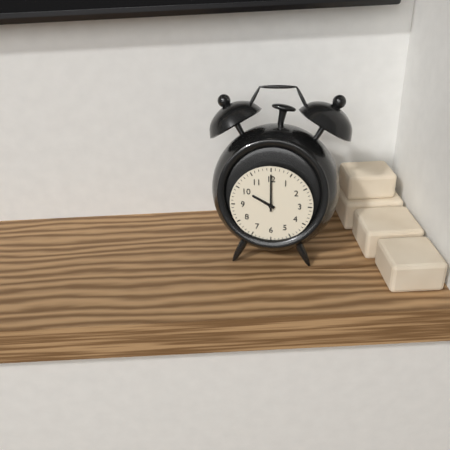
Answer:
10 h 00 min
